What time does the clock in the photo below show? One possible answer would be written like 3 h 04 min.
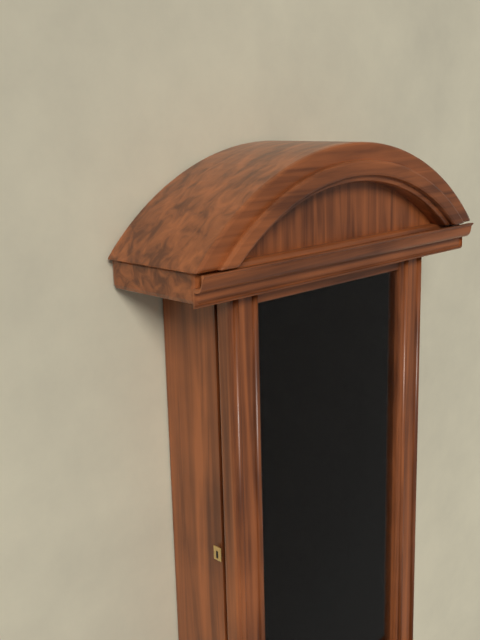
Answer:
10 h 35 min
